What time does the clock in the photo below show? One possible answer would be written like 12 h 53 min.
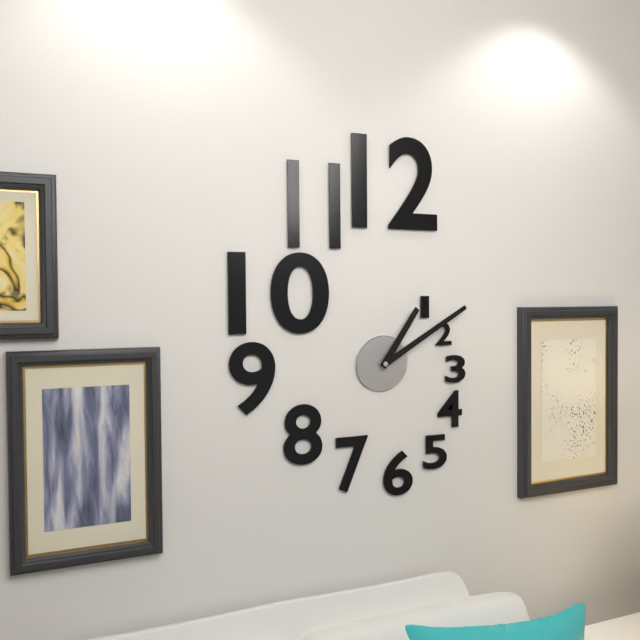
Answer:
1 h 10 min
